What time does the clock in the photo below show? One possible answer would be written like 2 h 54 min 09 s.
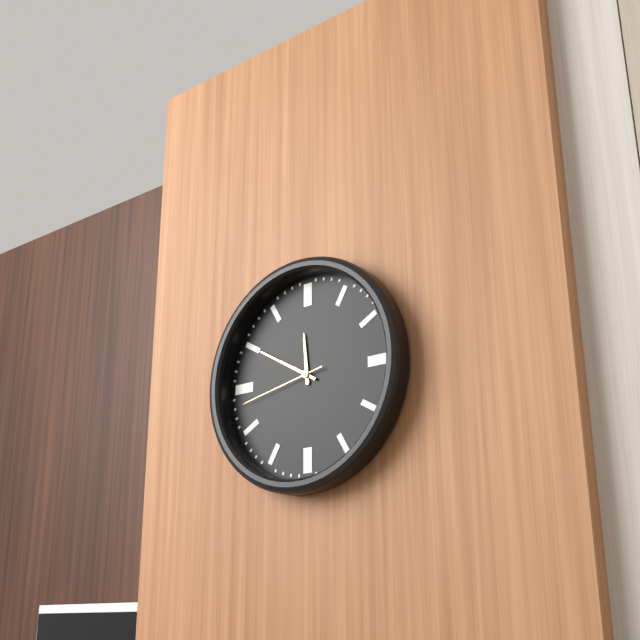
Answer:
11 h 50 min 43 s
